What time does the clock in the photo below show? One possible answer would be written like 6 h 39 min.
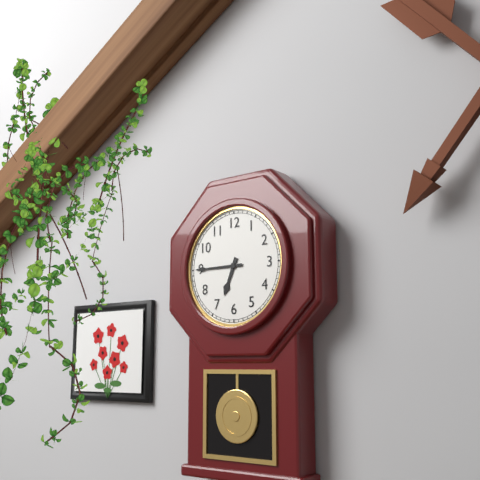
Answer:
6 h 45 min
